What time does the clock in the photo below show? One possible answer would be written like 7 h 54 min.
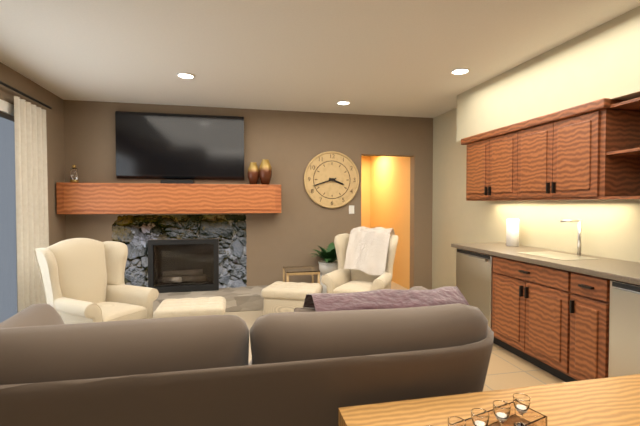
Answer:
3 h 42 min
